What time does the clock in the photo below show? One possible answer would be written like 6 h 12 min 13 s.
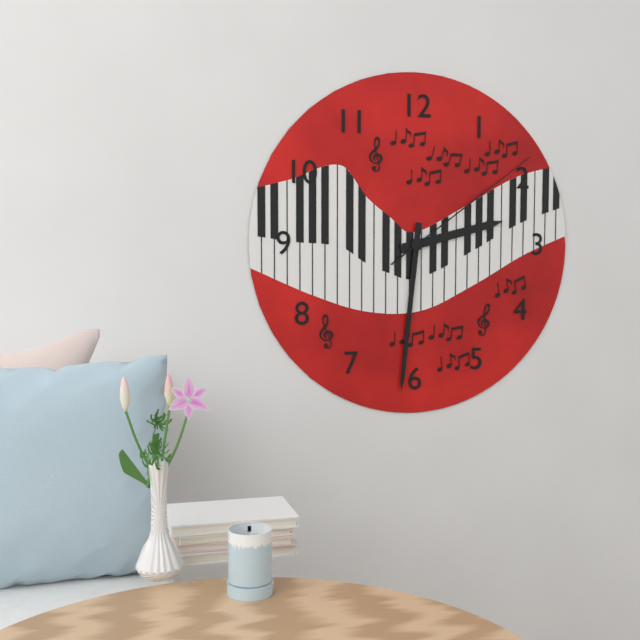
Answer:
2 h 31 min 09 s
